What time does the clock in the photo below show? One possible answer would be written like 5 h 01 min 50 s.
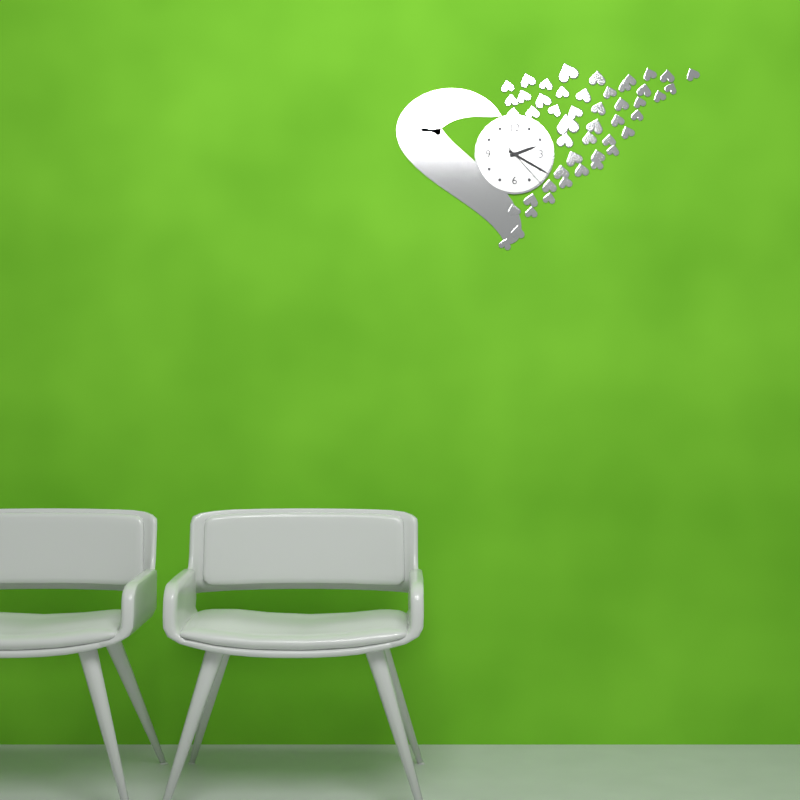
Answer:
2 h 20 min 23 s
